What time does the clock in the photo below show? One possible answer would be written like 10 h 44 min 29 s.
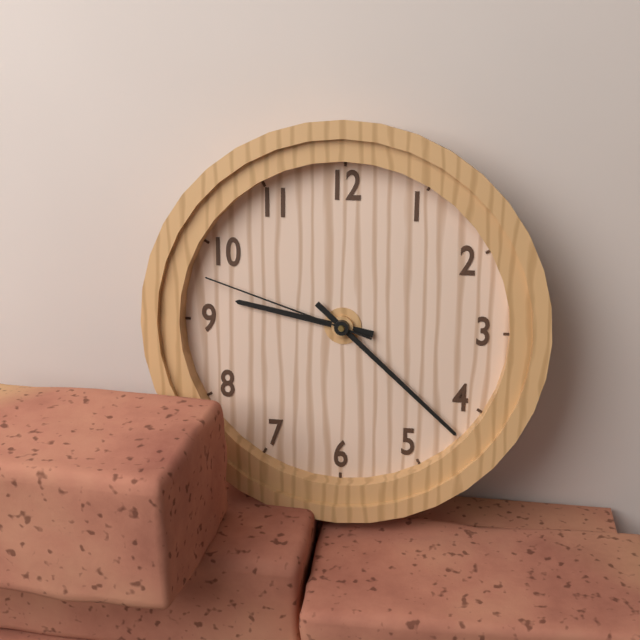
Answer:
9 h 22 min 48 s
